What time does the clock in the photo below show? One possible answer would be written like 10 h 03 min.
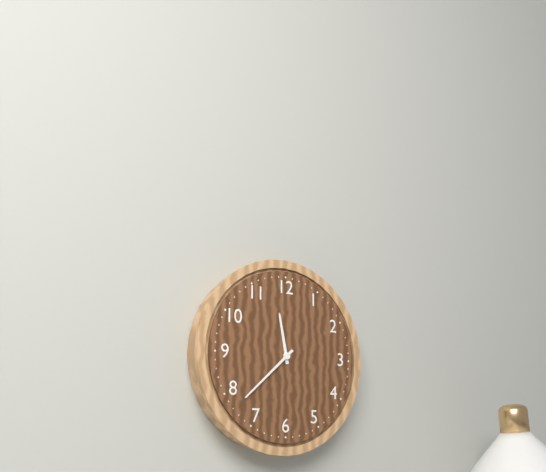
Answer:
11 h 38 min
